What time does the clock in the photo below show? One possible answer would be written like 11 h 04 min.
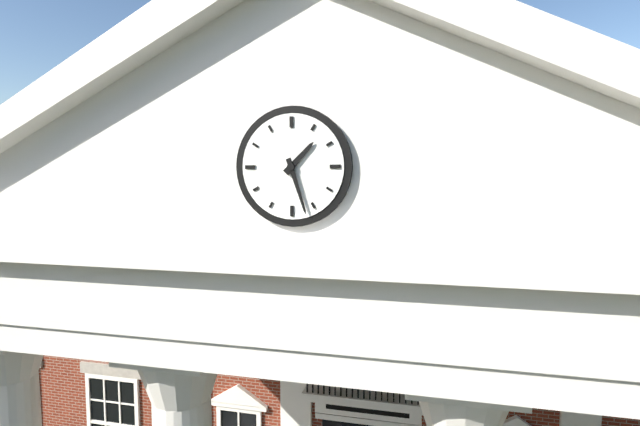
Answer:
1 h 27 min
